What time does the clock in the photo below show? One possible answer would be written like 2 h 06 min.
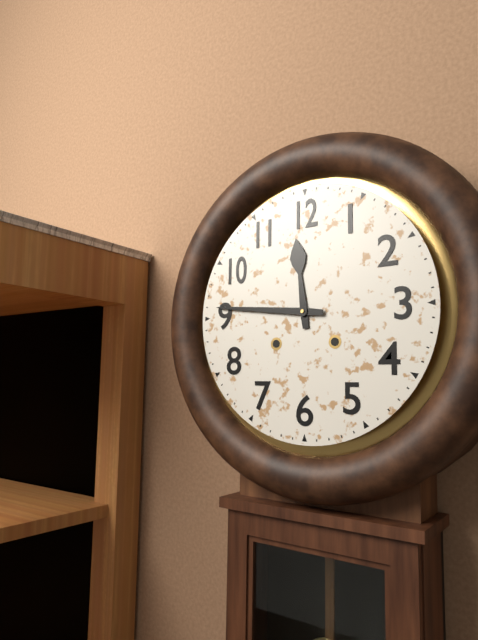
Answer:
11 h 46 min
